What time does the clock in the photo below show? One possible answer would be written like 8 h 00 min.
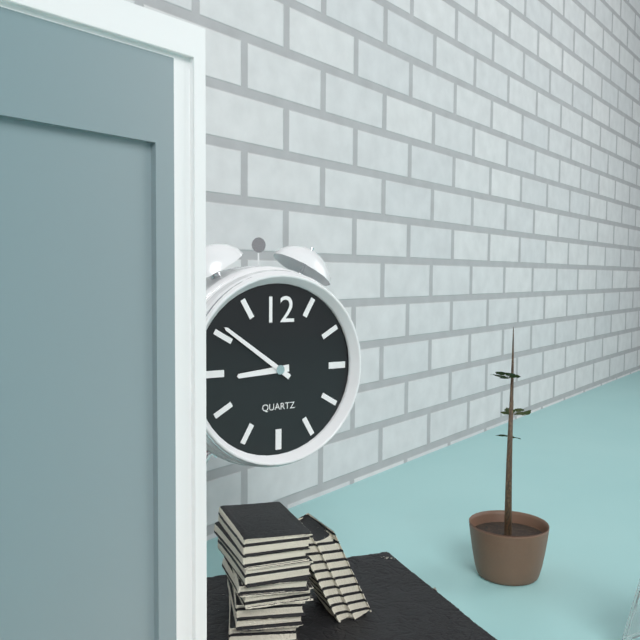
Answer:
8 h 51 min
